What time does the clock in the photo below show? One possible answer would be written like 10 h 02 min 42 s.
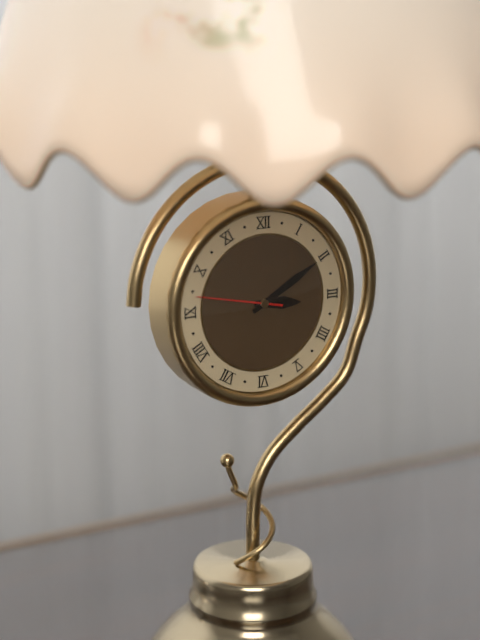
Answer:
3 h 10 min 47 s
